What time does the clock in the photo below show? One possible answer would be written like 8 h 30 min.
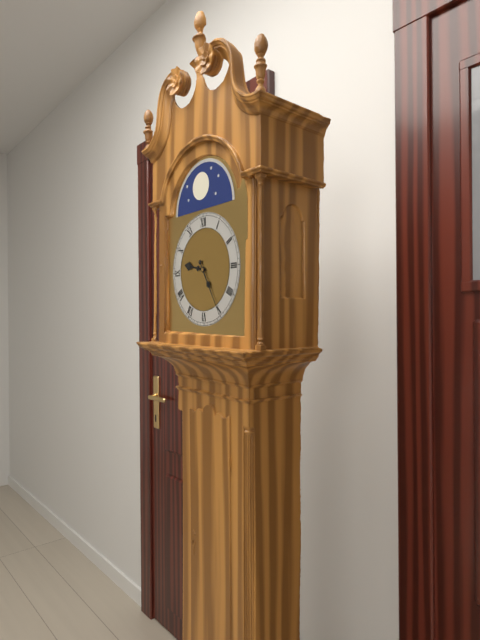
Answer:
9 h 25 min
